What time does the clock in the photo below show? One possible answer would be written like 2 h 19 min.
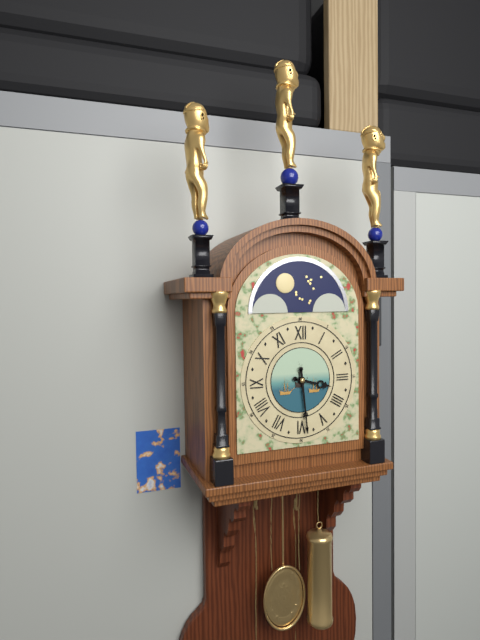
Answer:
3 h 29 min
